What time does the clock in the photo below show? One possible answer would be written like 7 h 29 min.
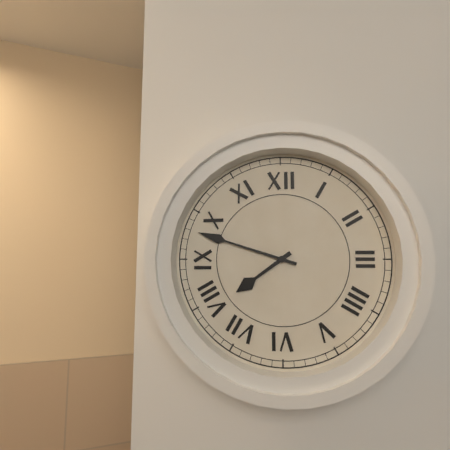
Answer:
7 h 48 min
